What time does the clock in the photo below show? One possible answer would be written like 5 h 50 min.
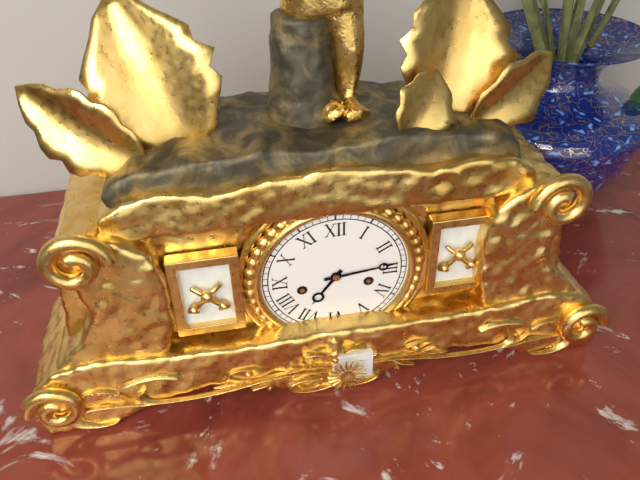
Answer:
7 h 14 min
